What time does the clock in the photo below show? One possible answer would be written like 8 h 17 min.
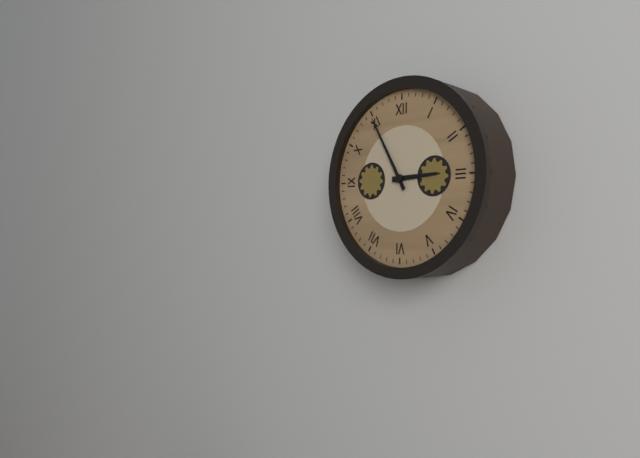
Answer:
2 h 55 min
